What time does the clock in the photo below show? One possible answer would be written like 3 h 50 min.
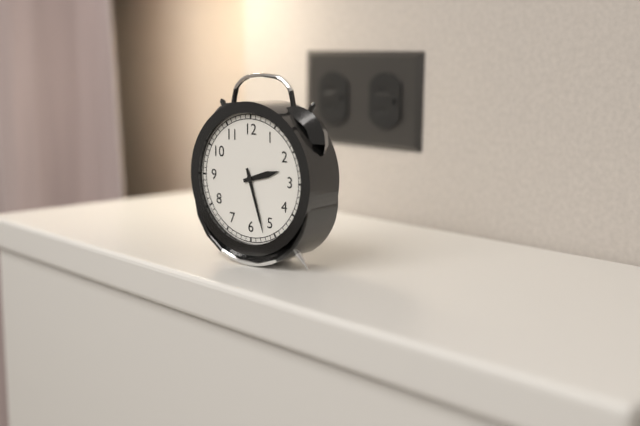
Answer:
2 h 27 min
